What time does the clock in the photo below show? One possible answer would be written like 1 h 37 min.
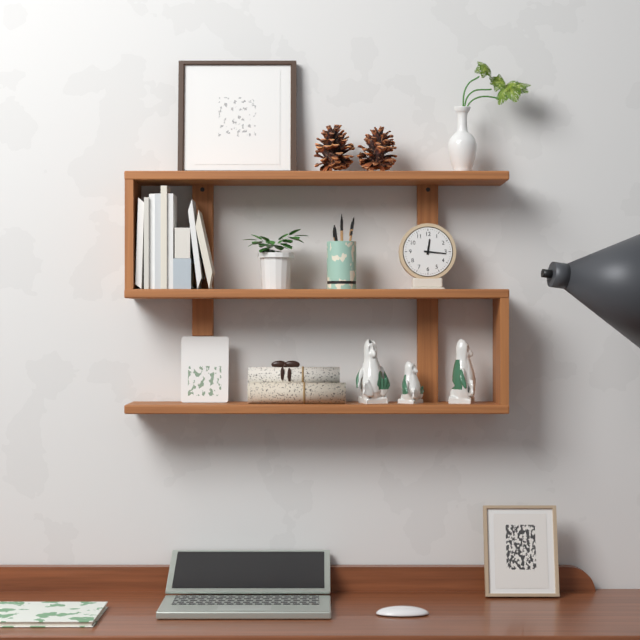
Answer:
12 h 16 min
